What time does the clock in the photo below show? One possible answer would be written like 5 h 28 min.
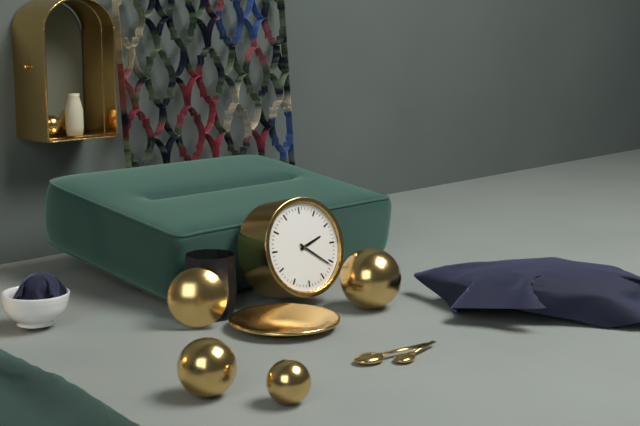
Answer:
2 h 21 min
